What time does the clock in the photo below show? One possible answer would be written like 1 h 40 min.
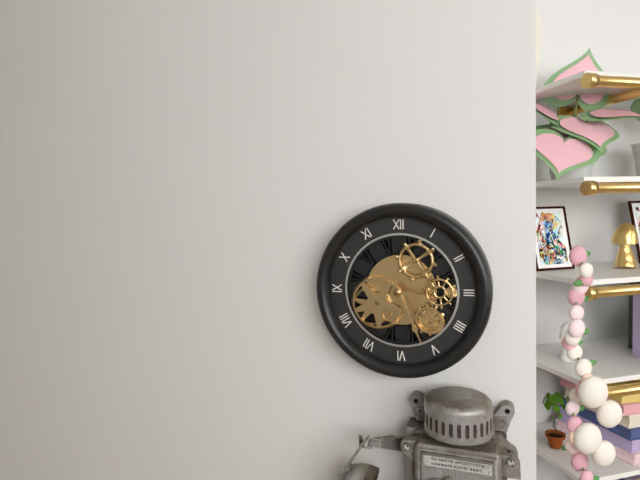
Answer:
3 h 26 min
